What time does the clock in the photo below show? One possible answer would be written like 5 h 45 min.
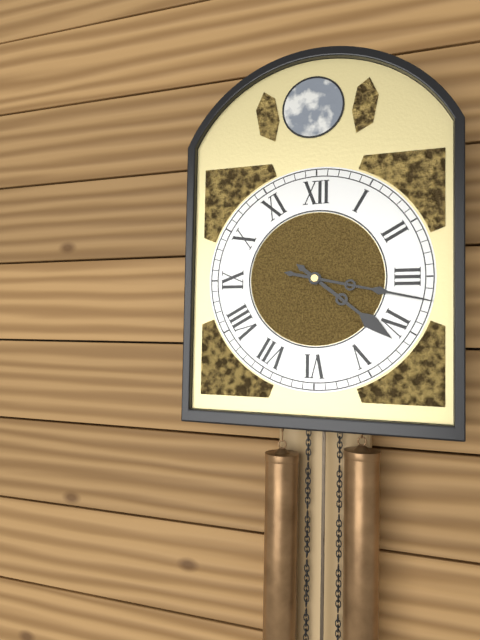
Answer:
4 h 17 min
